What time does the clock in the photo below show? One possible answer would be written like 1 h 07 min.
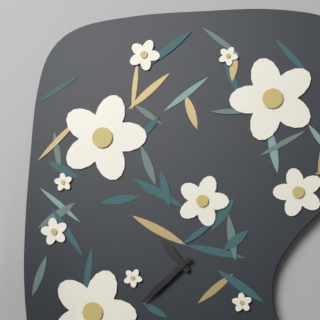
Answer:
10 h 38 min
